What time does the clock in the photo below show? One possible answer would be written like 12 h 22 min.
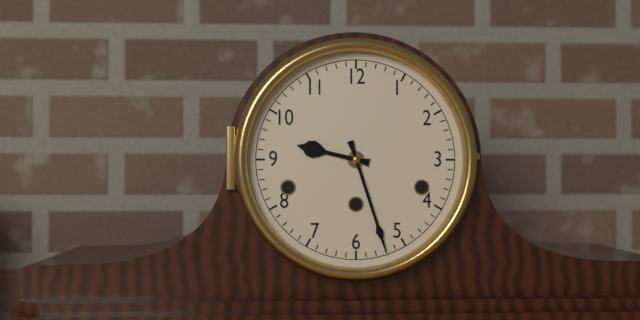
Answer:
9 h 27 min
